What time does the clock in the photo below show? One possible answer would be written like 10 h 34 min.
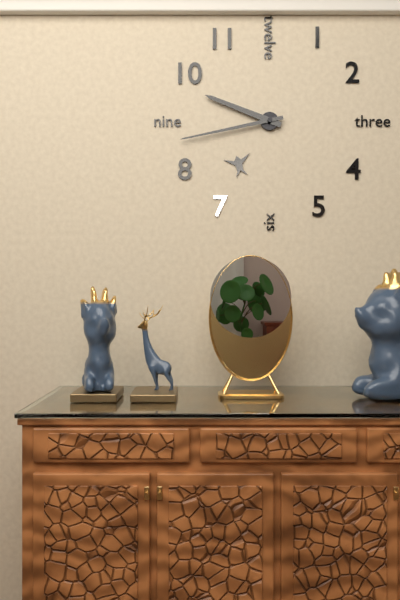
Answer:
9 h 43 min
